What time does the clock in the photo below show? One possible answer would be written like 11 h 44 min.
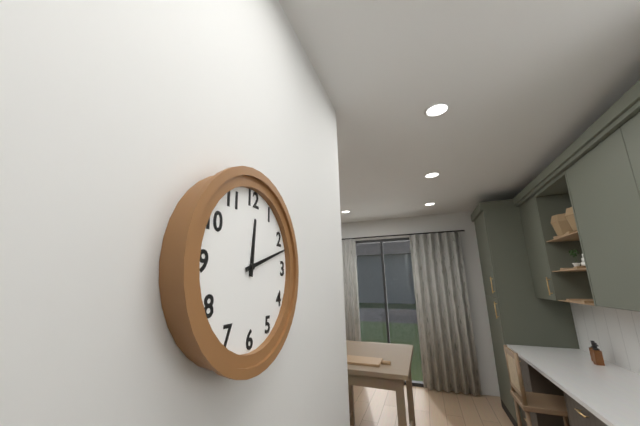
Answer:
12 h 12 min
